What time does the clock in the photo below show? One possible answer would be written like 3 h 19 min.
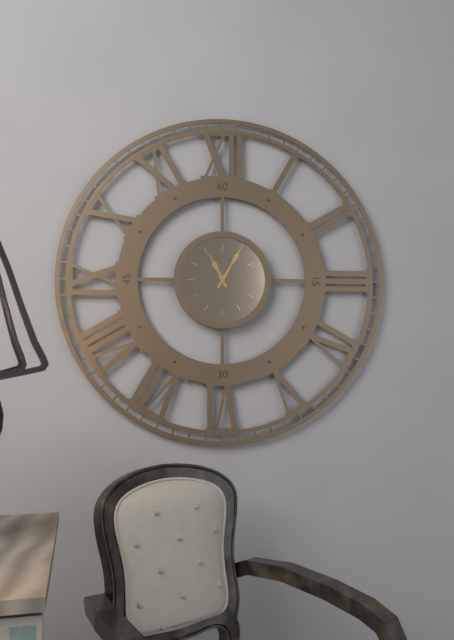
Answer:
11 h 05 min
